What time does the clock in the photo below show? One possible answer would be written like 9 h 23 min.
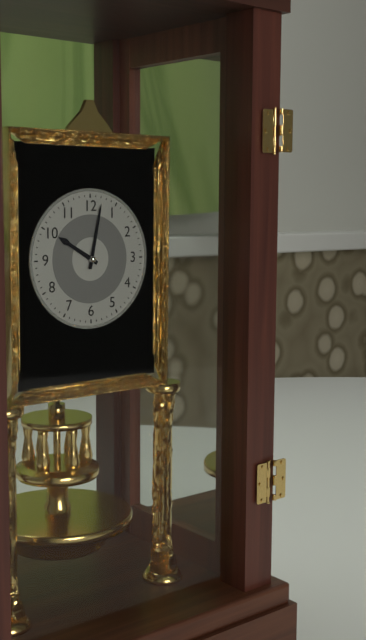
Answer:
10 h 02 min
